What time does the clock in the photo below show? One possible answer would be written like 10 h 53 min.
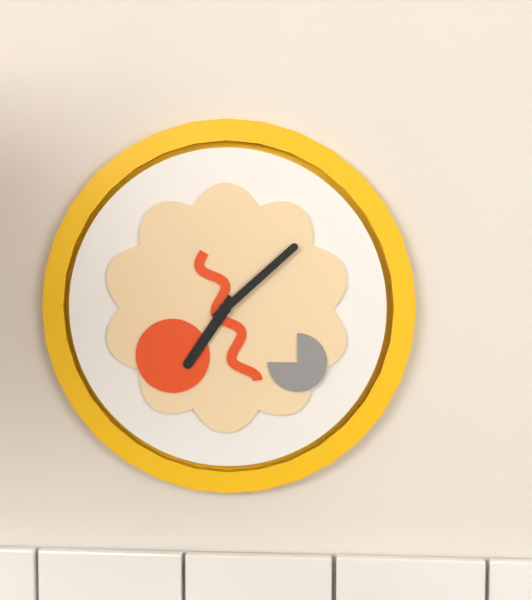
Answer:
7 h 08 min
